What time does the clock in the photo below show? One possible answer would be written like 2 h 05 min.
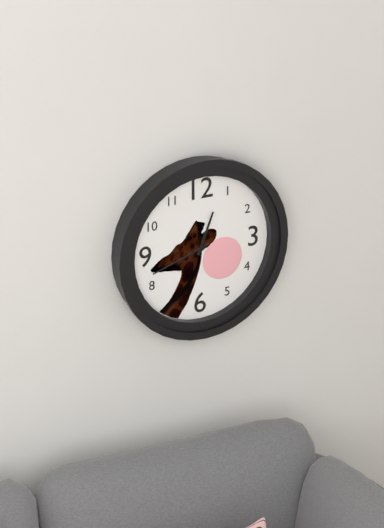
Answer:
12 h 42 min
